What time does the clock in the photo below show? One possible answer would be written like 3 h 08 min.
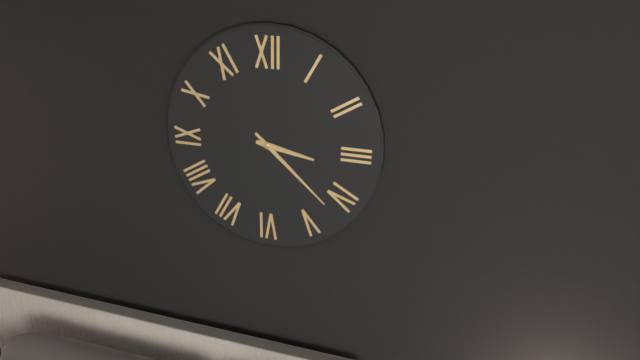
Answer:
3 h 22 min
